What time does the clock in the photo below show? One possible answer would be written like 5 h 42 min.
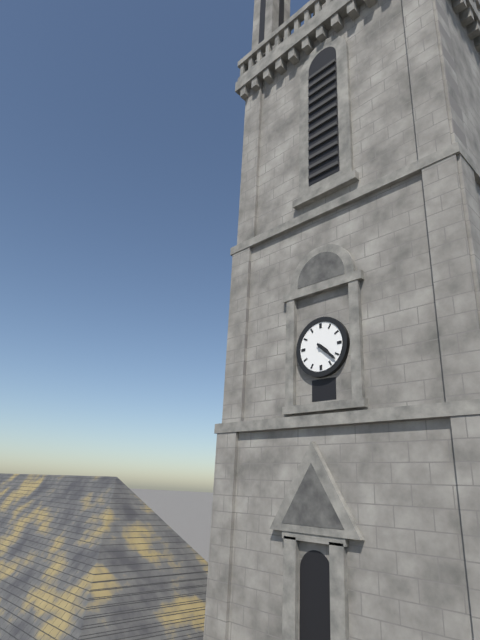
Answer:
4 h 22 min
